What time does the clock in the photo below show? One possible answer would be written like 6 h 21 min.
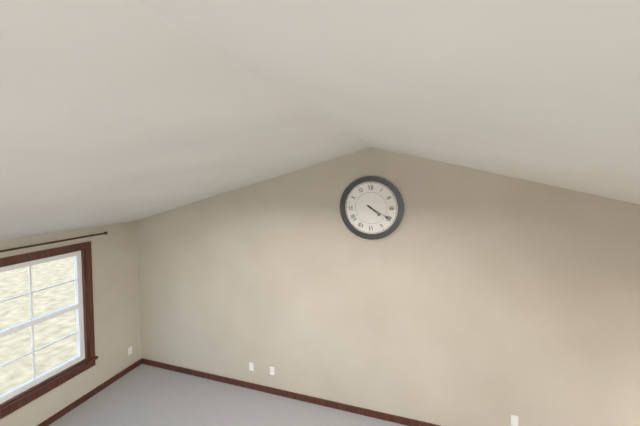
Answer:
4 h 20 min
